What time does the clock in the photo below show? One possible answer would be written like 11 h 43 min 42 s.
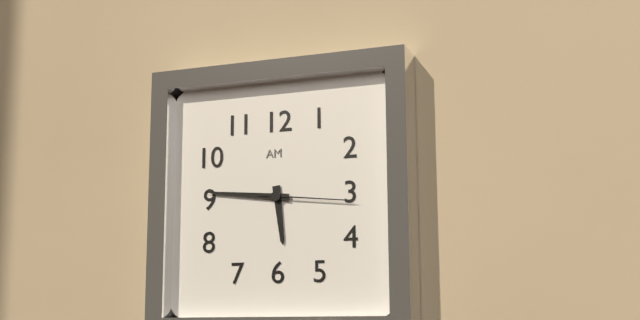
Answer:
5 h 46 min 16 s
